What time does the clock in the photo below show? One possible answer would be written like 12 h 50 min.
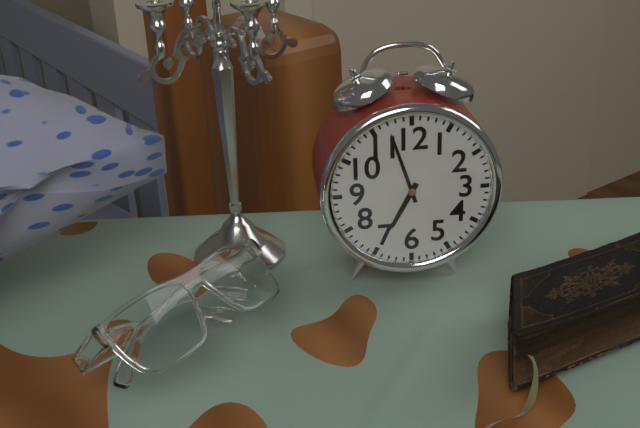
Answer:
6 h 57 min
